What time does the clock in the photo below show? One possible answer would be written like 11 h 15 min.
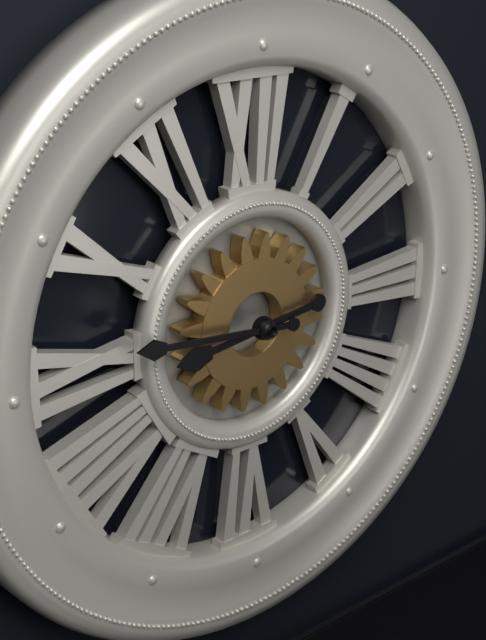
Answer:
8 h 46 min
